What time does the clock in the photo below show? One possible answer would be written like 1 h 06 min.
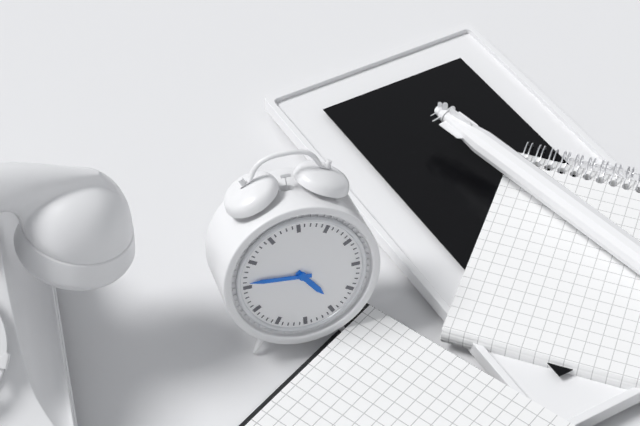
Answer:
4 h 46 min
